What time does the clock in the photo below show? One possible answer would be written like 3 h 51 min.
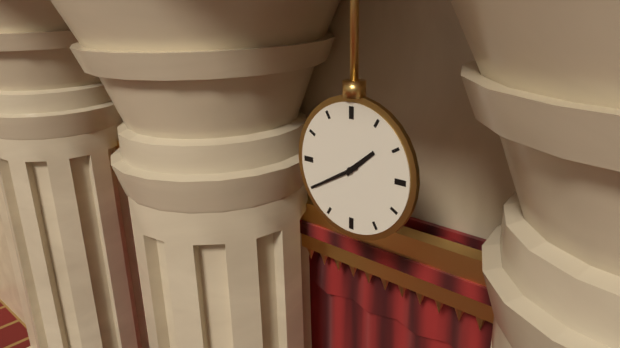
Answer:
1 h 40 min
